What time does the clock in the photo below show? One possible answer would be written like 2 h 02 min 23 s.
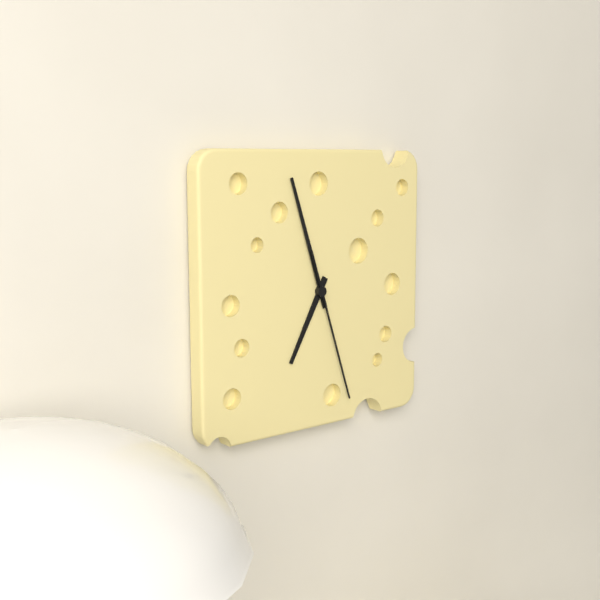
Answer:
6 h 57 min 27 s
